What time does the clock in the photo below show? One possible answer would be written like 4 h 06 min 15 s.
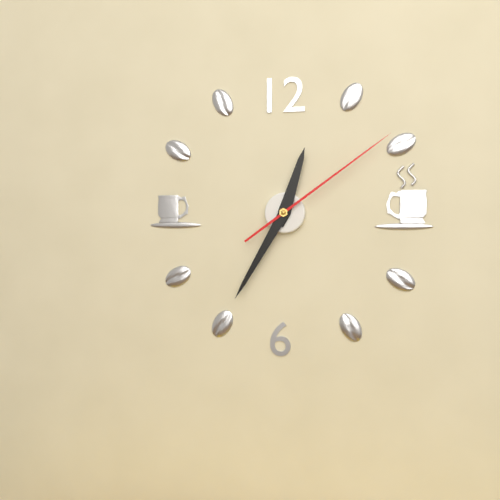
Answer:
12 h 35 min 09 s
